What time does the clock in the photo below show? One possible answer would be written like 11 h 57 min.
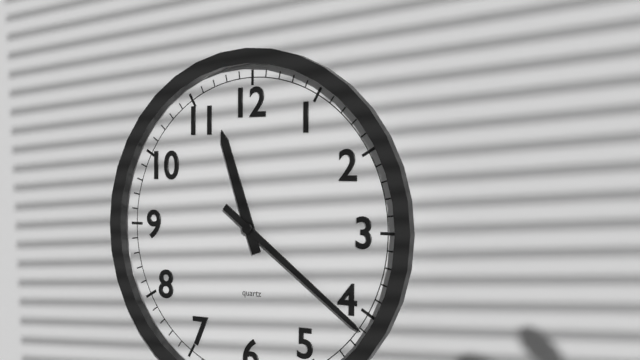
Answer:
11 h 21 min
